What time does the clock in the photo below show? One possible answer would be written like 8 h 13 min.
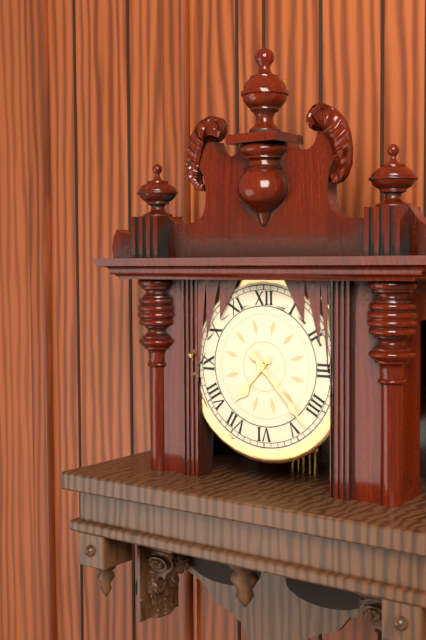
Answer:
7 h 23 min
